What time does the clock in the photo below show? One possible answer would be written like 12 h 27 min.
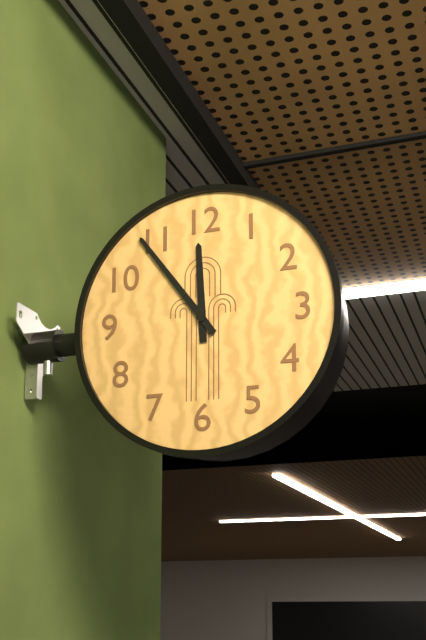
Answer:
11 h 54 min
